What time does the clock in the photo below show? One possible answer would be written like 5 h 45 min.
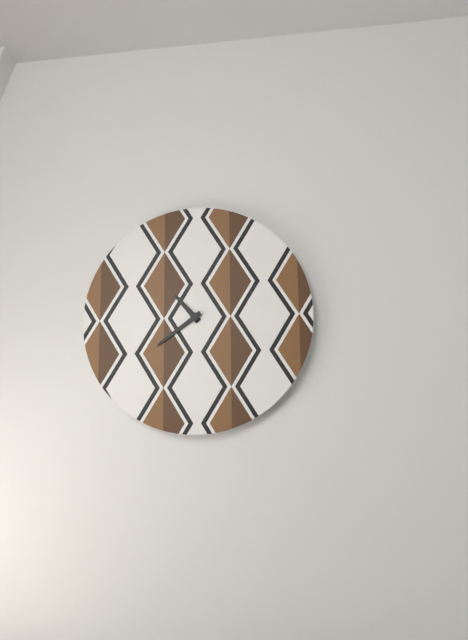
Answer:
10 h 39 min
